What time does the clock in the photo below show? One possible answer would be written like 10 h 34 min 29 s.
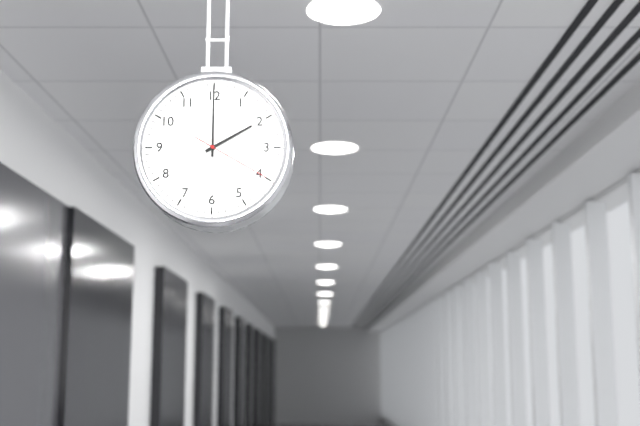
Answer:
2 h 00 min 20 s
